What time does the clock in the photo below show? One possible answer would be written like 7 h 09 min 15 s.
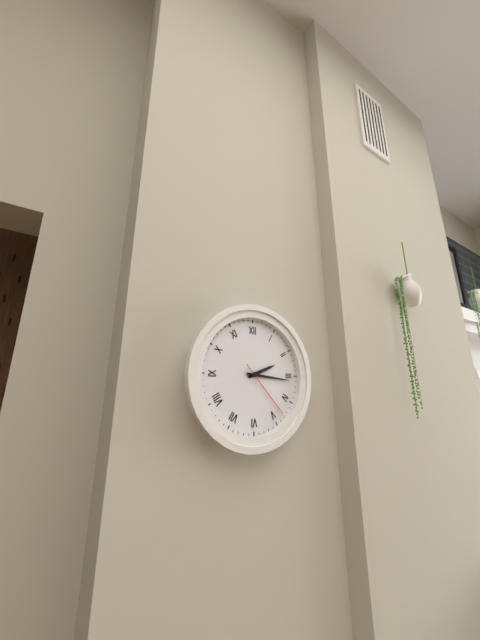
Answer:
2 h 16 min 23 s
